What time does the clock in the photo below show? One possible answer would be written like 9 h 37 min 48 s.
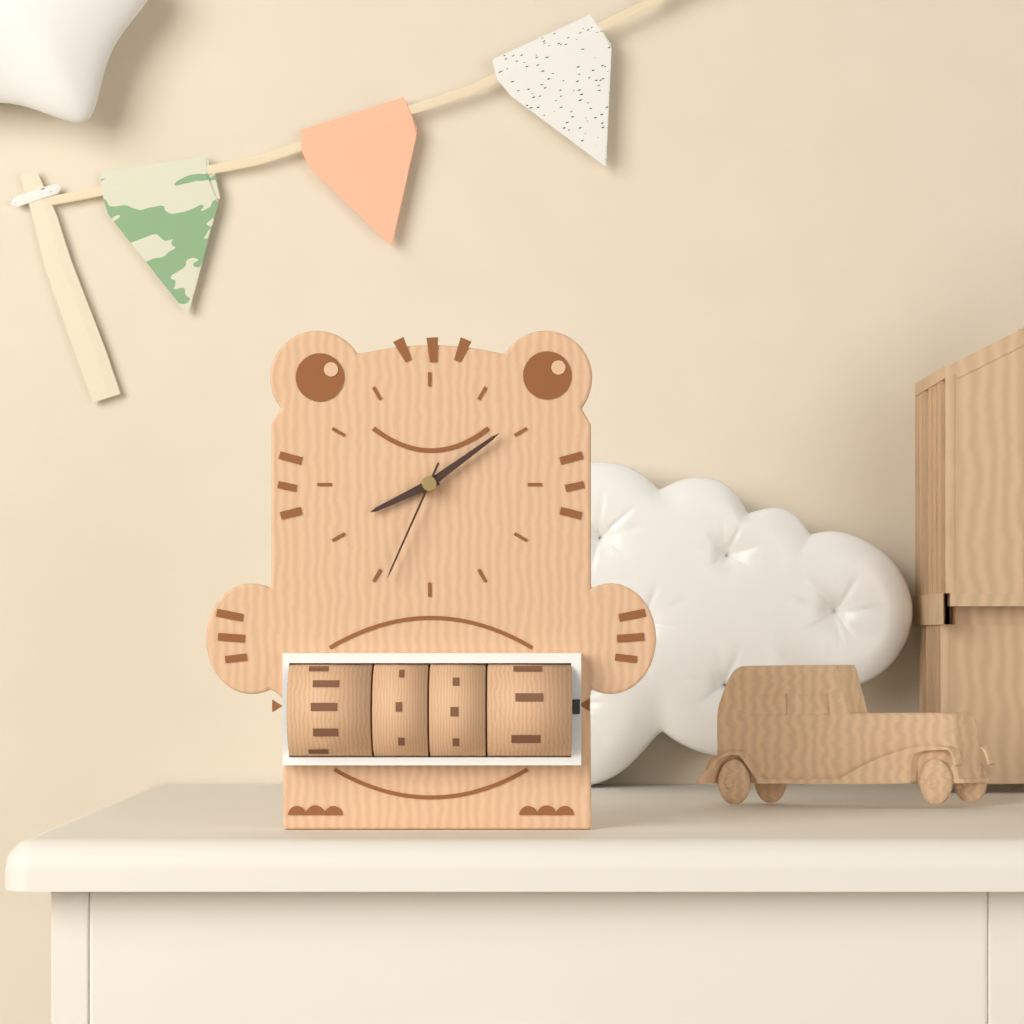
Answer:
8 h 09 min 34 s
